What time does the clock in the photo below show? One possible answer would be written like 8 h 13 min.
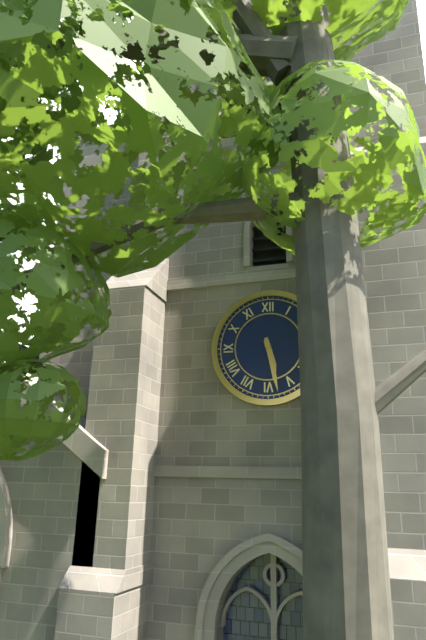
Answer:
5 h 28 min
